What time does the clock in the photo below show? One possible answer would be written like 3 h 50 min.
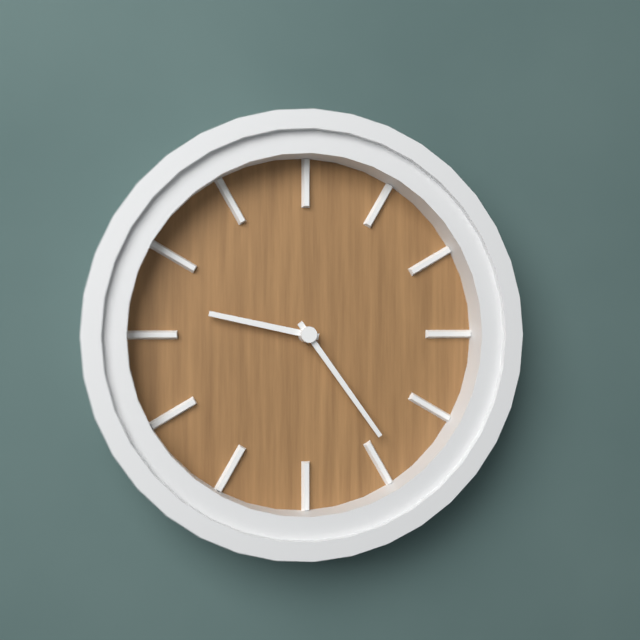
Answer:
9 h 24 min
